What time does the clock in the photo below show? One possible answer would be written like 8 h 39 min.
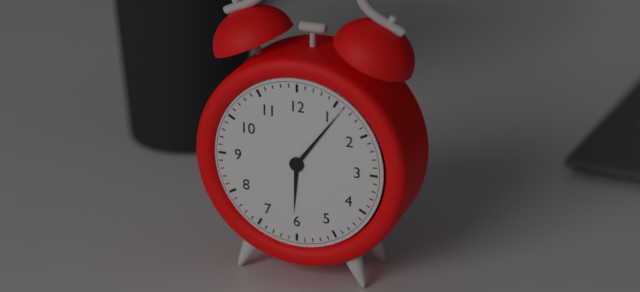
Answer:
6 h 06 min
